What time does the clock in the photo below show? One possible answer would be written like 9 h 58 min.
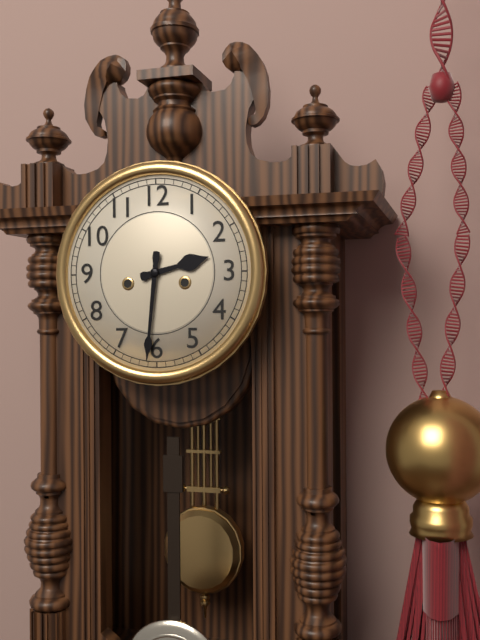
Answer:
2 h 31 min
